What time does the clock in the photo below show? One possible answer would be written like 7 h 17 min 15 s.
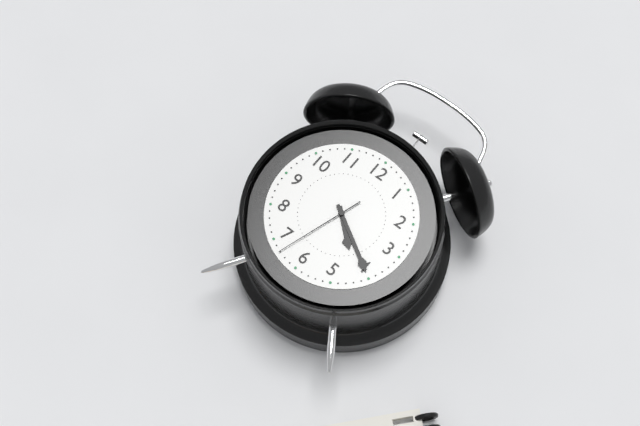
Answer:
4 h 20 min 33 s
